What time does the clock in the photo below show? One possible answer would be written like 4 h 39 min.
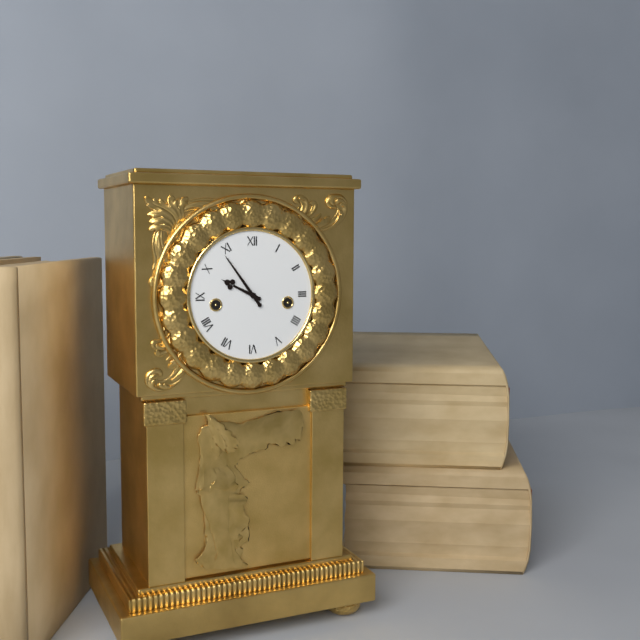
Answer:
9 h 54 min
